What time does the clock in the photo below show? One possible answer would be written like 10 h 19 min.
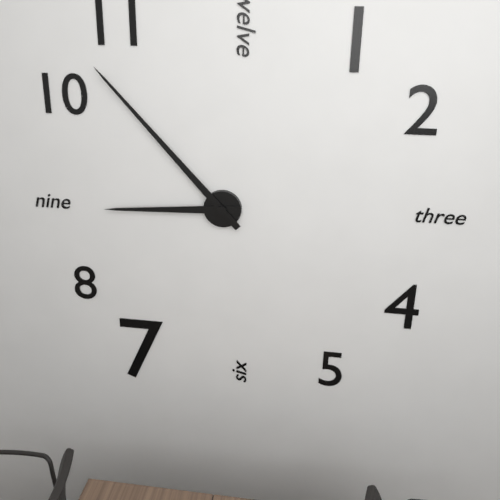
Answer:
8 h 53 min
